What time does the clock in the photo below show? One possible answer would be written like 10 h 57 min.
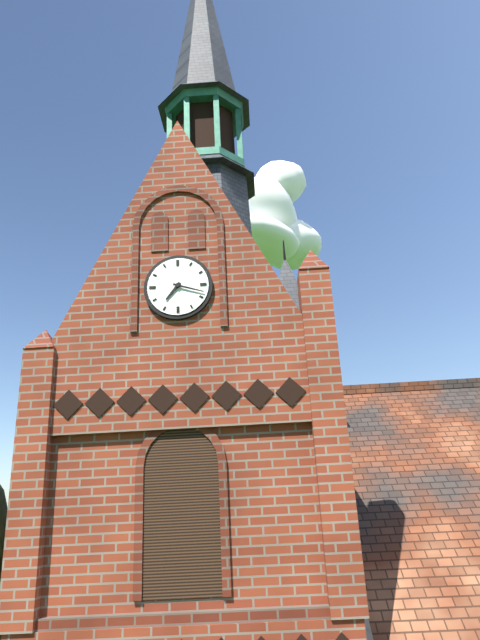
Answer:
7 h 18 min
